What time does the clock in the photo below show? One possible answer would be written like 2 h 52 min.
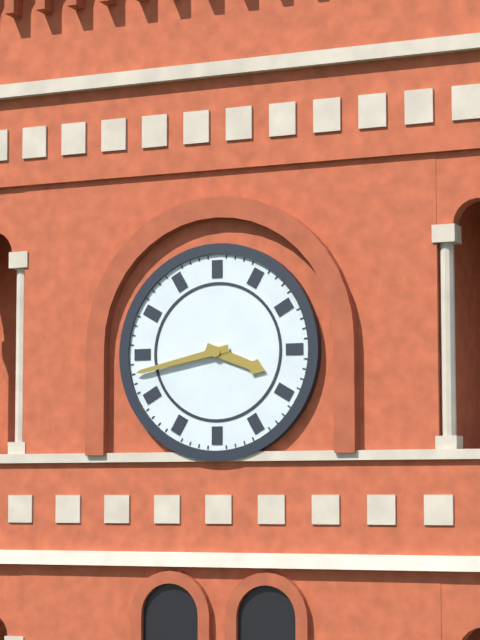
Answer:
3 h 43 min
